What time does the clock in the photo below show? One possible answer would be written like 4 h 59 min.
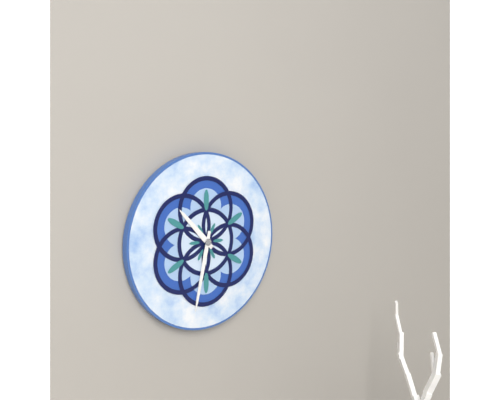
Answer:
10 h 32 min
